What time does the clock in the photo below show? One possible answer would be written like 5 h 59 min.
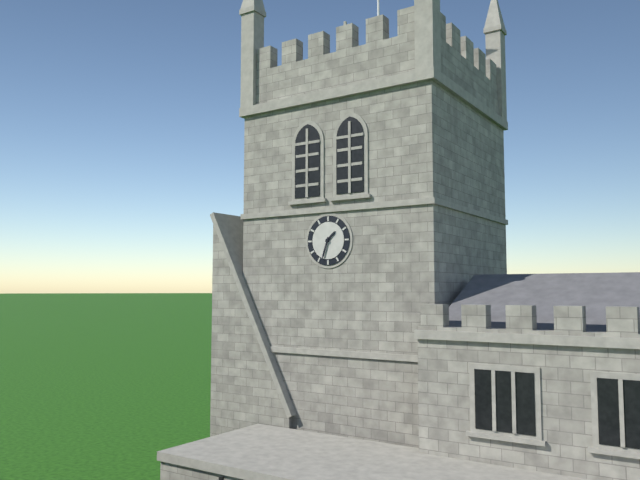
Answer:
1 h 33 min
